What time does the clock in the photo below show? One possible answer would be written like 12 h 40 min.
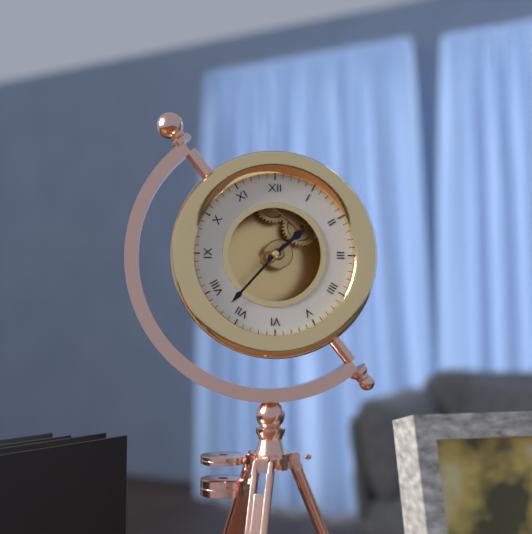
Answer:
1 h 37 min
